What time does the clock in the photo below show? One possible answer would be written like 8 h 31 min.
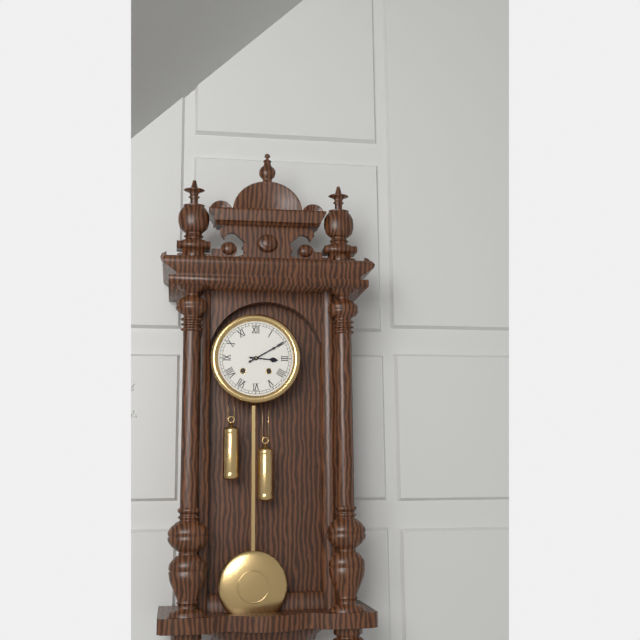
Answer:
3 h 10 min
